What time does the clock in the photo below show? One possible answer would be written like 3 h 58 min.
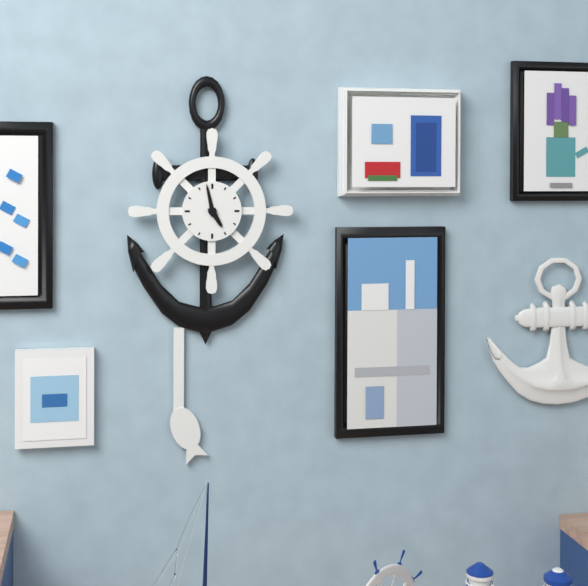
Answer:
4 h 58 min
